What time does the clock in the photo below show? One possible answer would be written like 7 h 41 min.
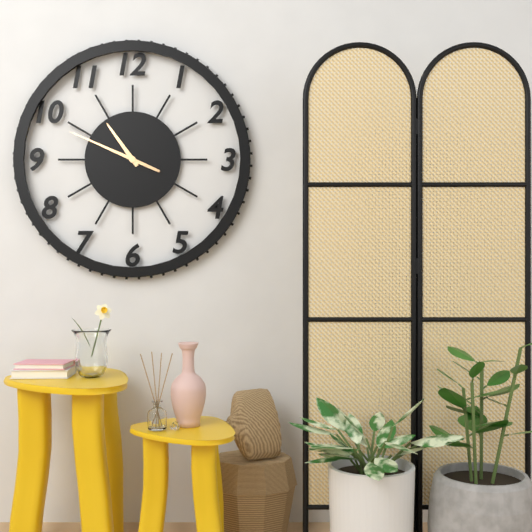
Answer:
10 h 49 min
